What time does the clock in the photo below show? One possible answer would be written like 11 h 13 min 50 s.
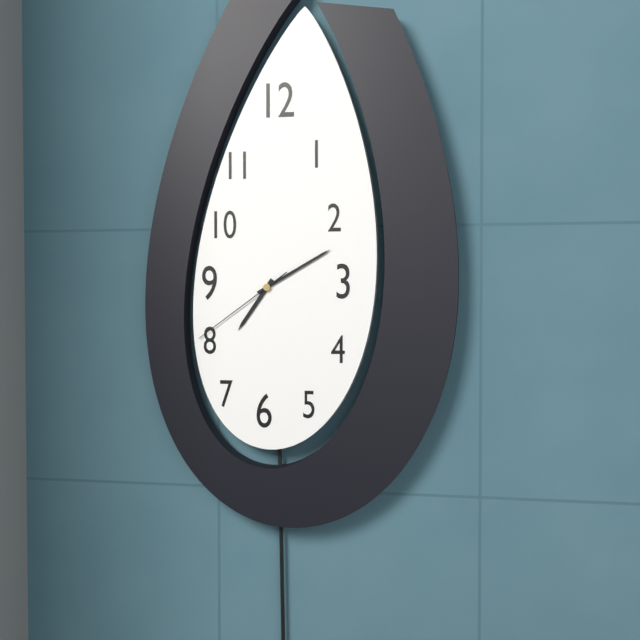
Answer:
7 h 10 min 39 s
